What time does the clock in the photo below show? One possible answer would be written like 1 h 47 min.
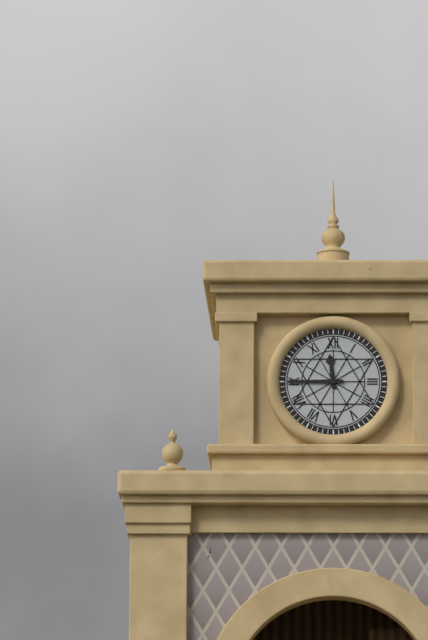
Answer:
11 h 45 min
